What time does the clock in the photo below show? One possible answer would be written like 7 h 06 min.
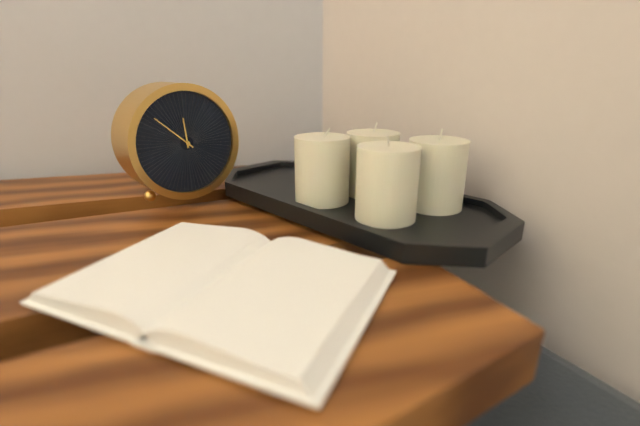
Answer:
11 h 52 min
